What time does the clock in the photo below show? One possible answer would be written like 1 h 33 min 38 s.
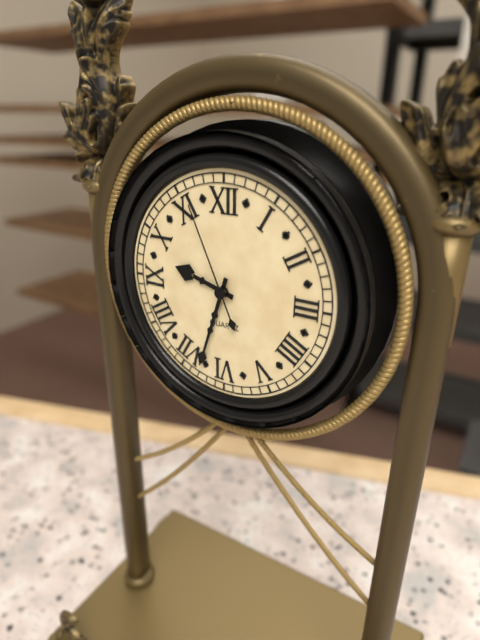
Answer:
9 h 33 min 56 s
